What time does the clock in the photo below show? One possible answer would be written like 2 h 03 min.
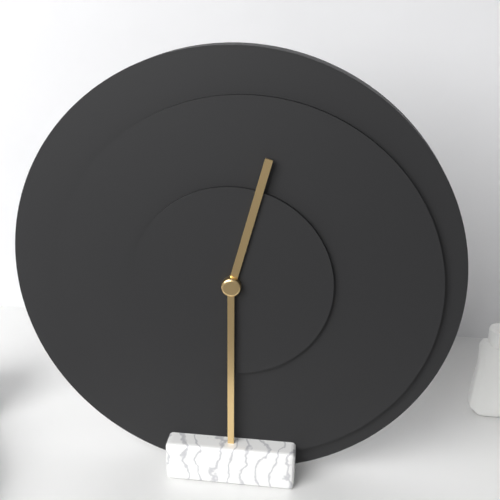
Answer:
12 h 30 min
